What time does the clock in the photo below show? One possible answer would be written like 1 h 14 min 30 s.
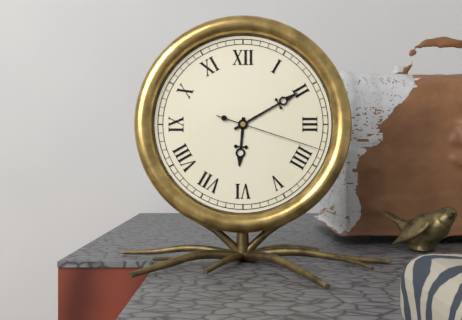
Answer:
6 h 10 min 18 s
